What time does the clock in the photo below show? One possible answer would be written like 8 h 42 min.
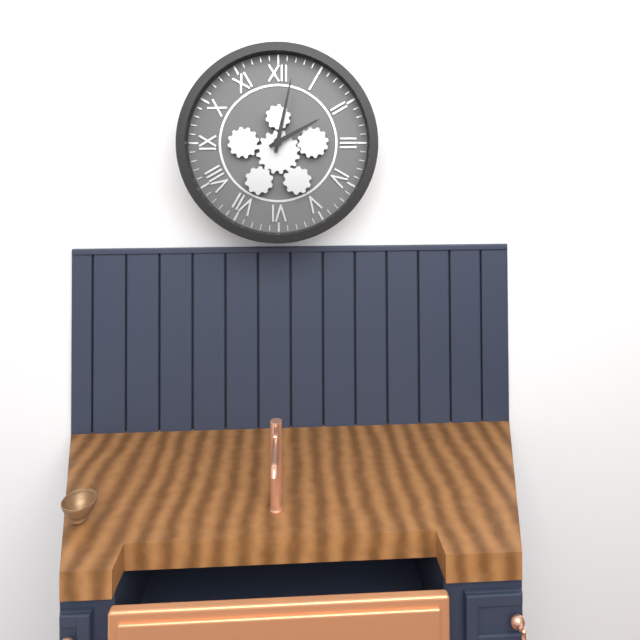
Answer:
2 h 02 min
